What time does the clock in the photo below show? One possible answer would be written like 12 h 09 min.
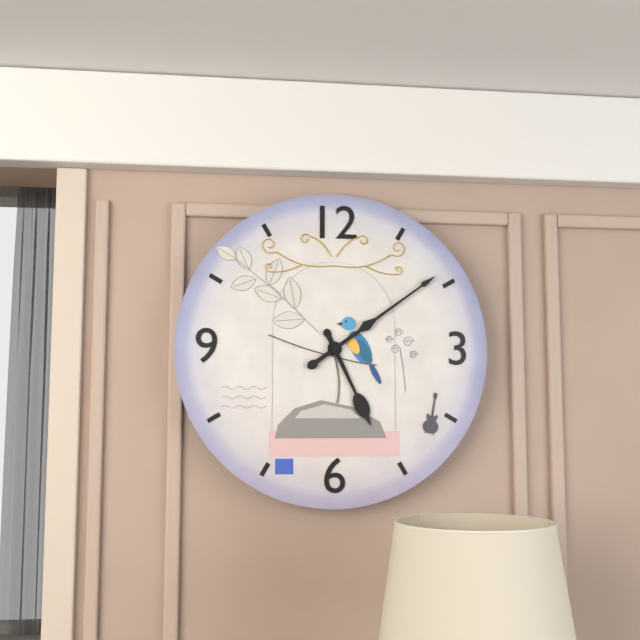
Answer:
5 h 09 min
